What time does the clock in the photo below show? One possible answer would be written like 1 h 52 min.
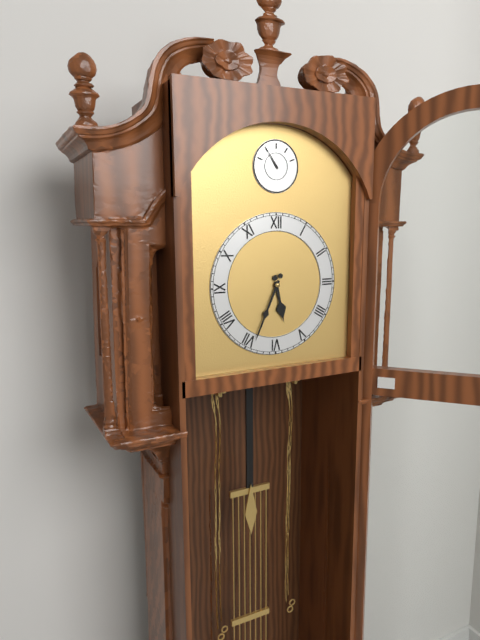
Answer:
5 h 34 min
